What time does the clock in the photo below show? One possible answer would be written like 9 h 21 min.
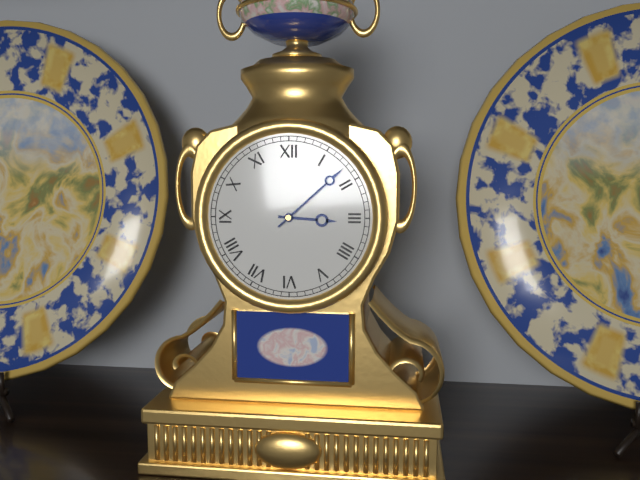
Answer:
3 h 08 min
